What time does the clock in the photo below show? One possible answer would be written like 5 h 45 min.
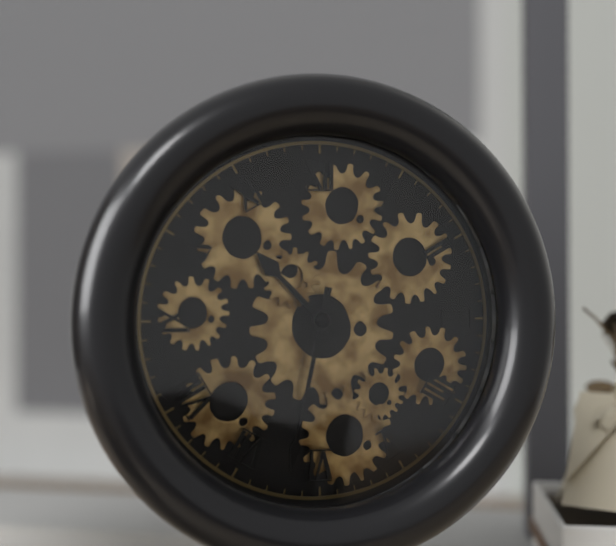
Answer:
10 h 32 min
